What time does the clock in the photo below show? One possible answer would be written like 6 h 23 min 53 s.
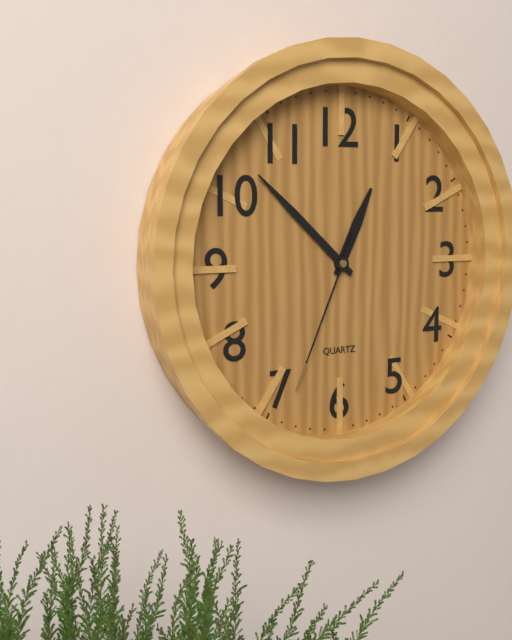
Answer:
12 h 52 min 34 s
